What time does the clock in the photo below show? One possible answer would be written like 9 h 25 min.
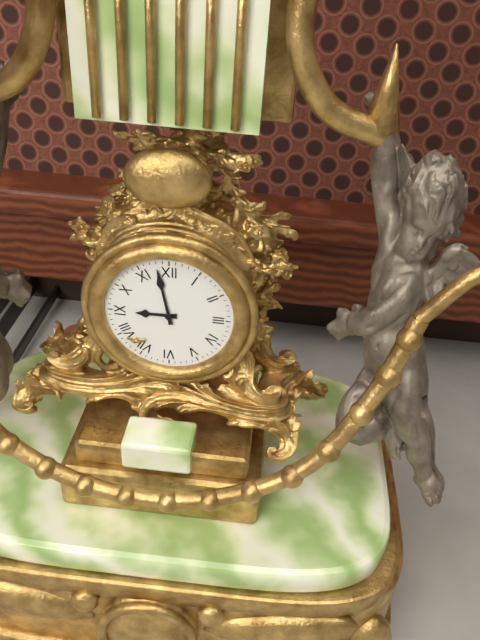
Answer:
8 h 58 min
